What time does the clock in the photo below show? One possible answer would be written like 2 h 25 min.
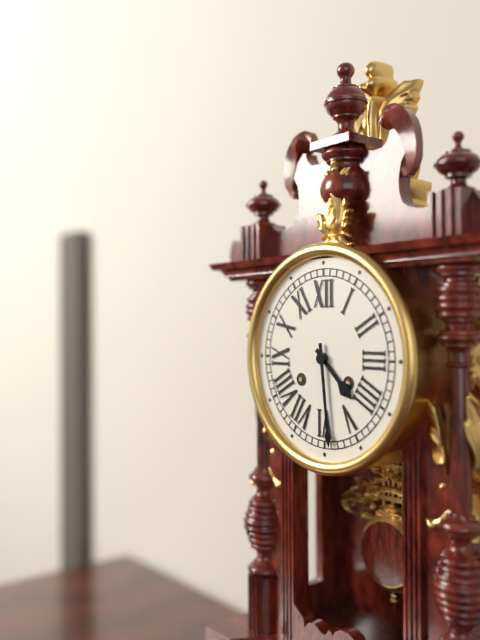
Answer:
4 h 29 min
